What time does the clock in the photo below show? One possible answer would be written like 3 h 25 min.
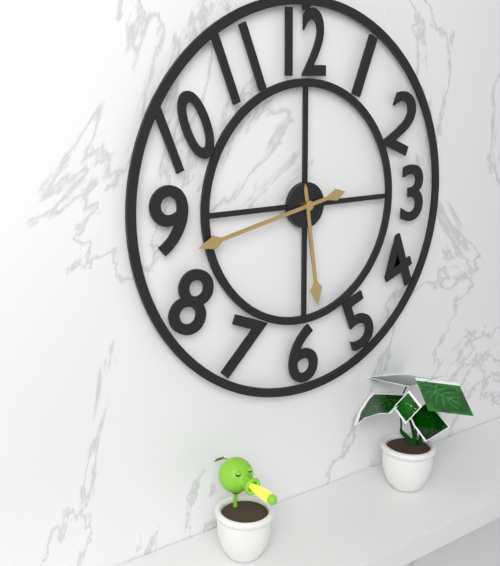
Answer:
5 h 43 min
